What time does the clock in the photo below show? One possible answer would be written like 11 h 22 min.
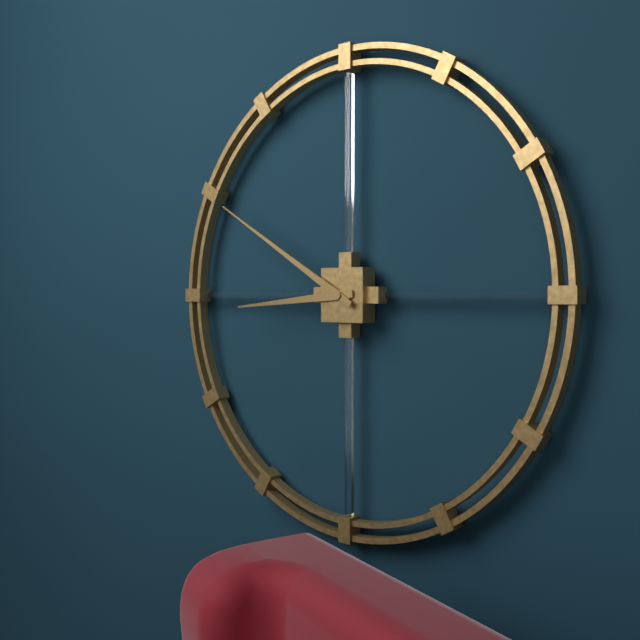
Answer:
8 h 50 min
